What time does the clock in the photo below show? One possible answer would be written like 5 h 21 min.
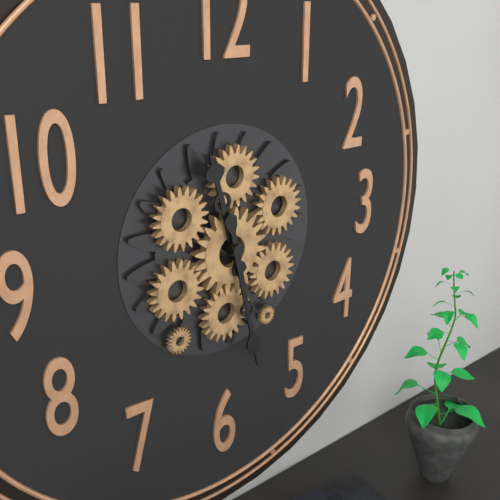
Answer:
11 h 28 min
